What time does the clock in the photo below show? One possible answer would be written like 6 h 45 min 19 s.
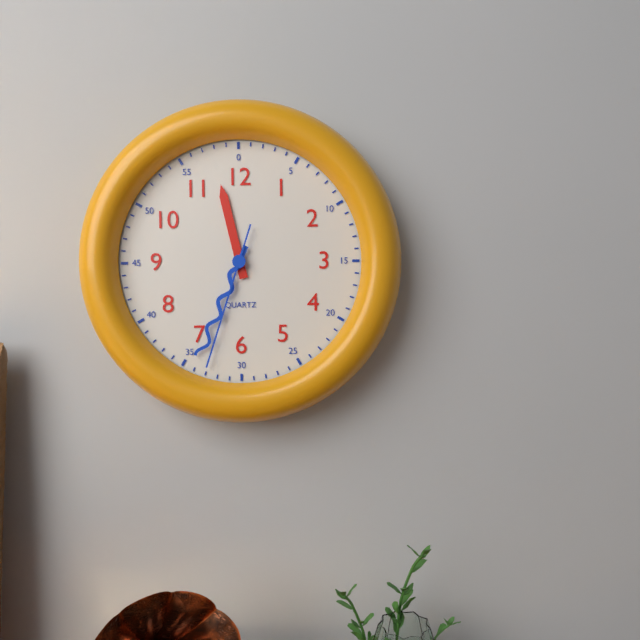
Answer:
11 h 34 min 33 s
